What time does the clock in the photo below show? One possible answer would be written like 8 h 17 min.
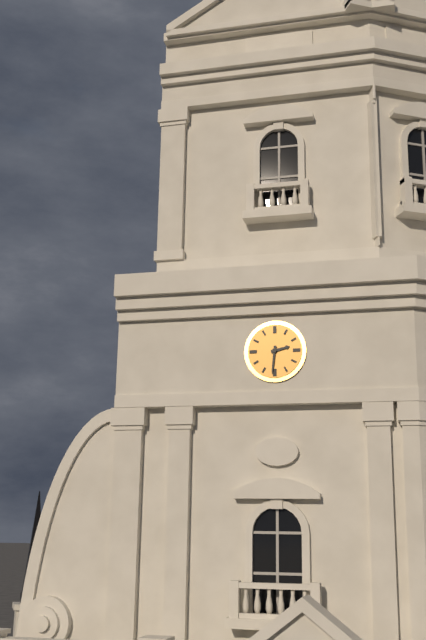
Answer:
2 h 31 min
